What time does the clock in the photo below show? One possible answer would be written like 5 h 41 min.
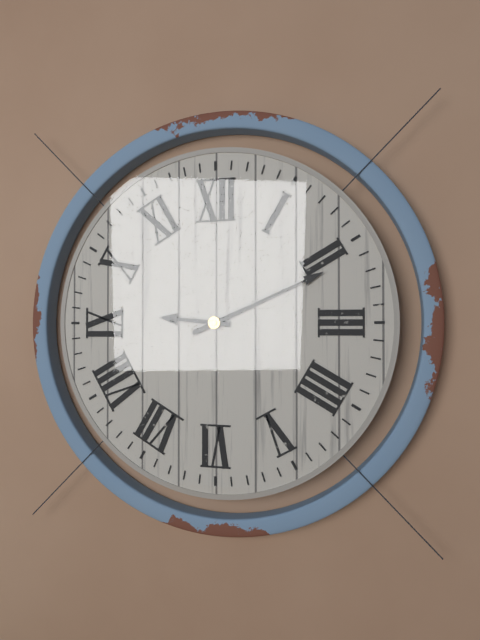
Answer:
9 h 11 min
